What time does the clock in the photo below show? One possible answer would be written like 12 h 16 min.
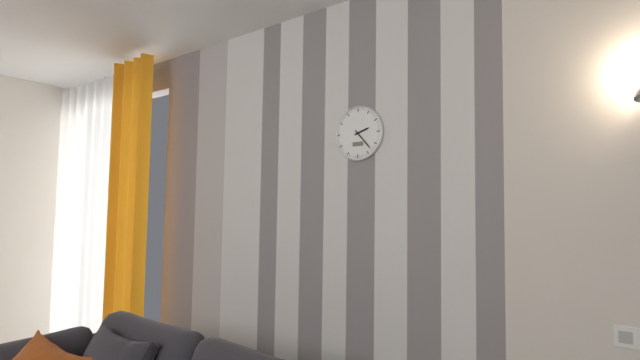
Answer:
2 h 23 min
